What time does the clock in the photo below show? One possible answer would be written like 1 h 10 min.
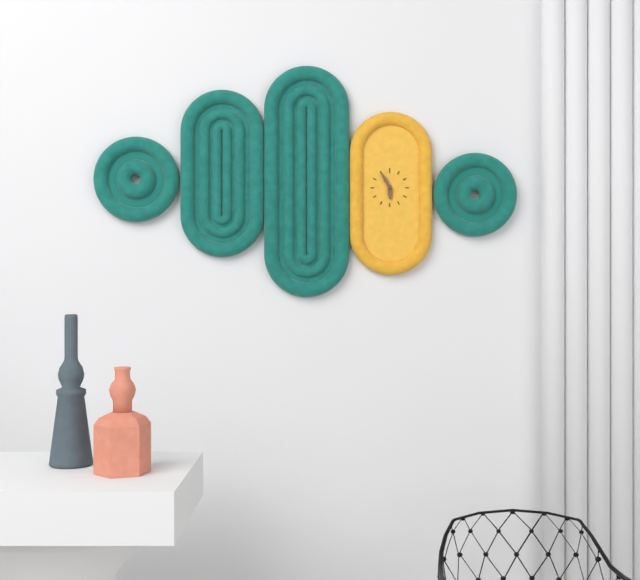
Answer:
5 h 55 min
